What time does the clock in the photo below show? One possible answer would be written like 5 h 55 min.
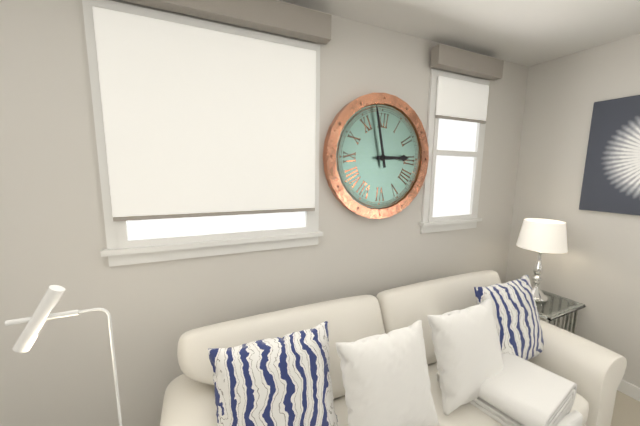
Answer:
2 h 58 min
